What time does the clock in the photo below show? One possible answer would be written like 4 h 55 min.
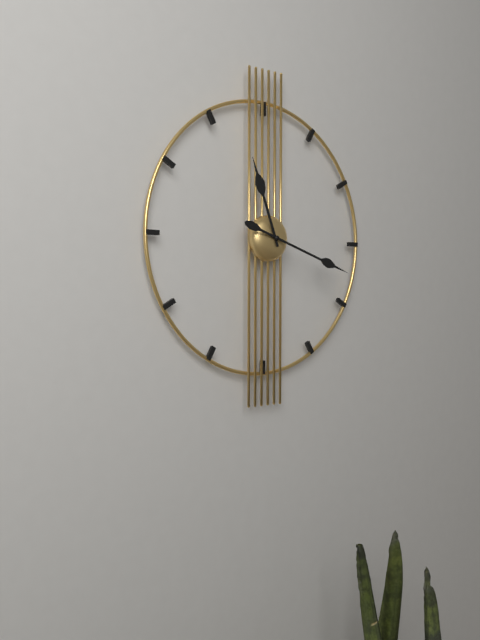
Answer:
11 h 18 min
